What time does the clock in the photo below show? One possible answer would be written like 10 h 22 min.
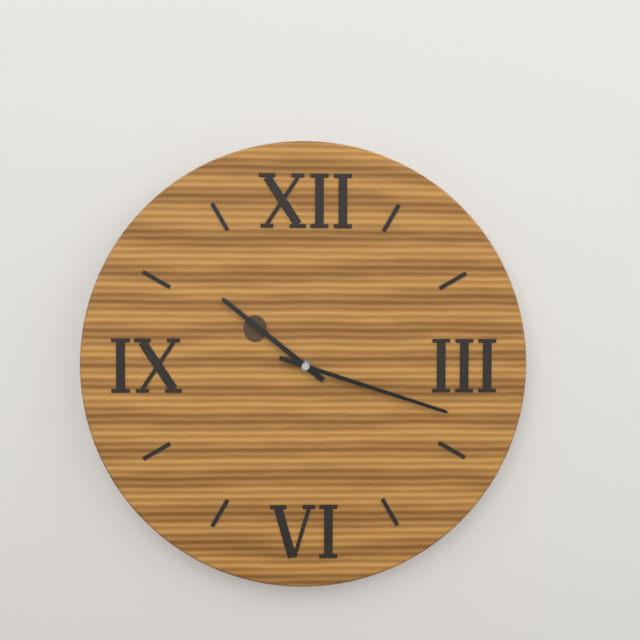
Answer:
10 h 18 min
